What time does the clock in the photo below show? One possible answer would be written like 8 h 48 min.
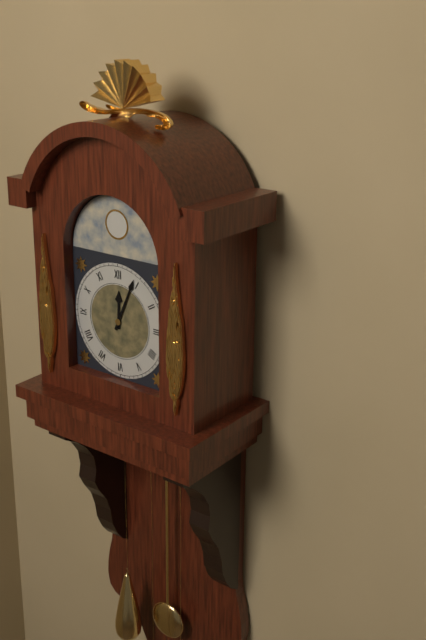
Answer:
12 h 04 min
